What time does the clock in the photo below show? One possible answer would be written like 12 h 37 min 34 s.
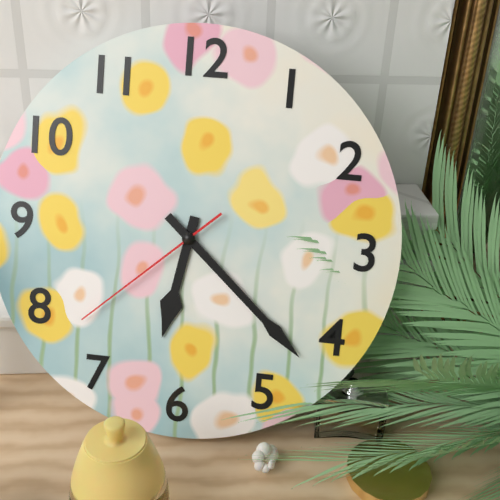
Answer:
6 h 22 min 38 s
